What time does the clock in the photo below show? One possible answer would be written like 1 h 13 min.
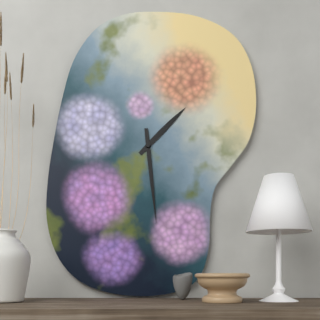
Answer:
1 h 29 min
